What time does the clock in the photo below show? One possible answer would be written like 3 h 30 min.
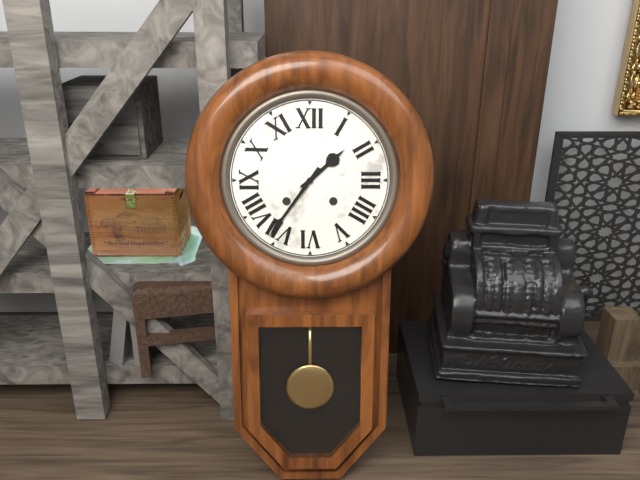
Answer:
1 h 36 min
